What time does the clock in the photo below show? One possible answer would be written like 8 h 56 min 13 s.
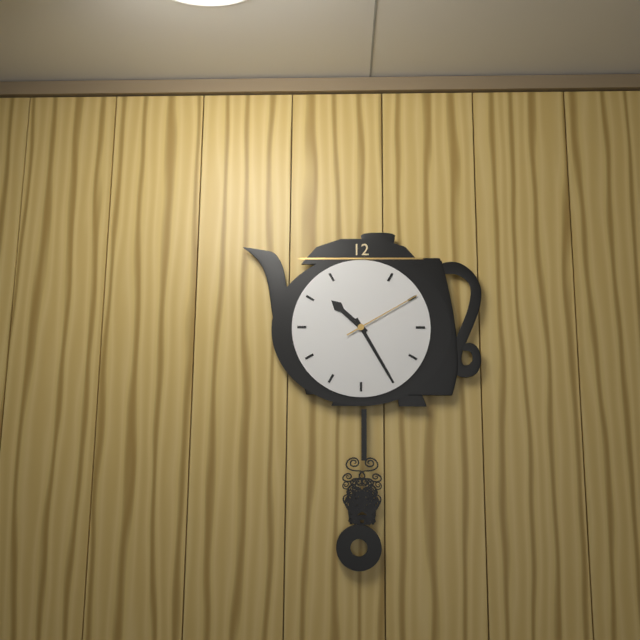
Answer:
10 h 25 min 10 s
